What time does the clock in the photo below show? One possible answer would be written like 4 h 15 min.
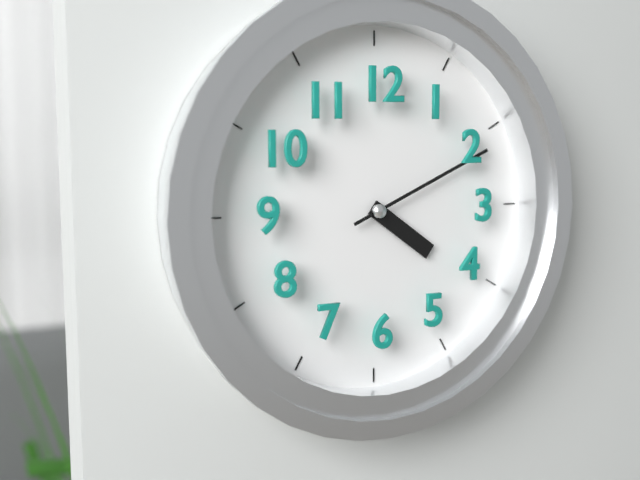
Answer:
4 h 11 min
